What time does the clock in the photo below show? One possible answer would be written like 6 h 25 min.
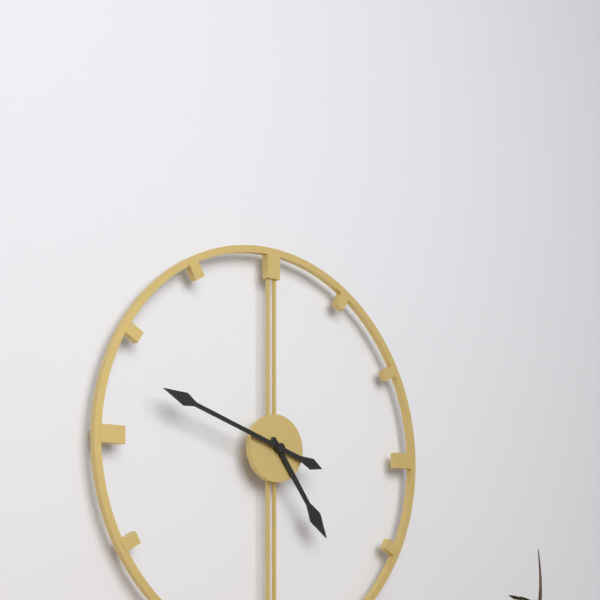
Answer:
4 h 48 min
